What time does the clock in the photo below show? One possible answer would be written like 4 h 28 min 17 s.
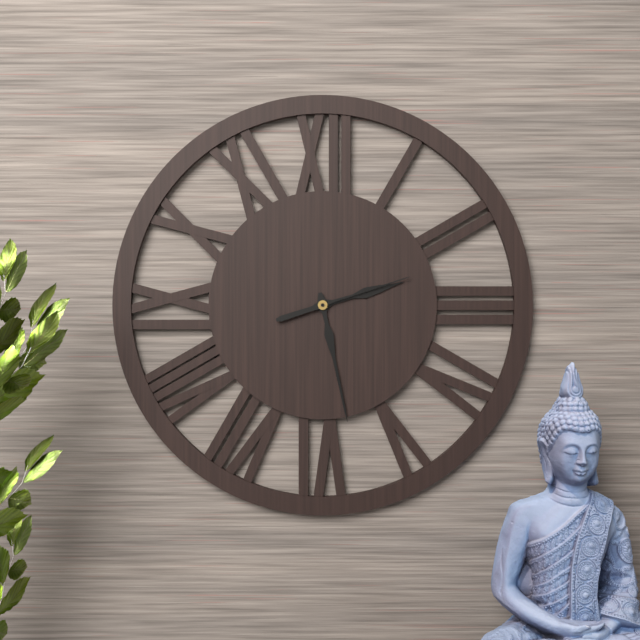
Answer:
2 h 28 min 12 s
